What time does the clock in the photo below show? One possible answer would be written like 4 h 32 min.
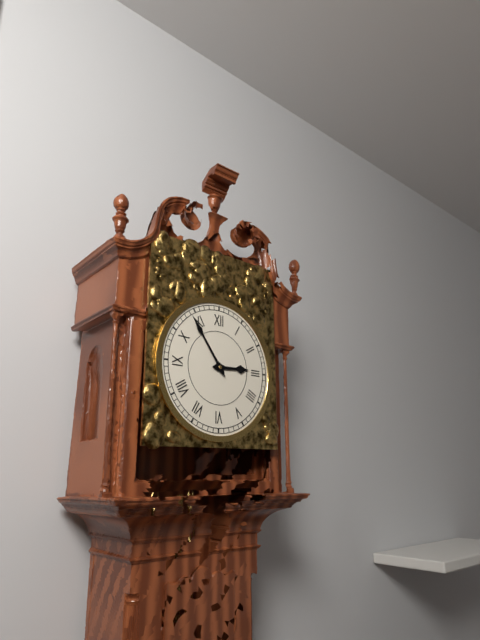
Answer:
2 h 54 min
